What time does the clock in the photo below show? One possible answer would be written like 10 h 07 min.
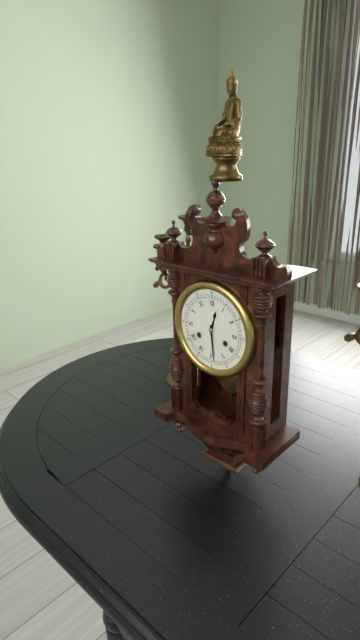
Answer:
12 h 29 min
